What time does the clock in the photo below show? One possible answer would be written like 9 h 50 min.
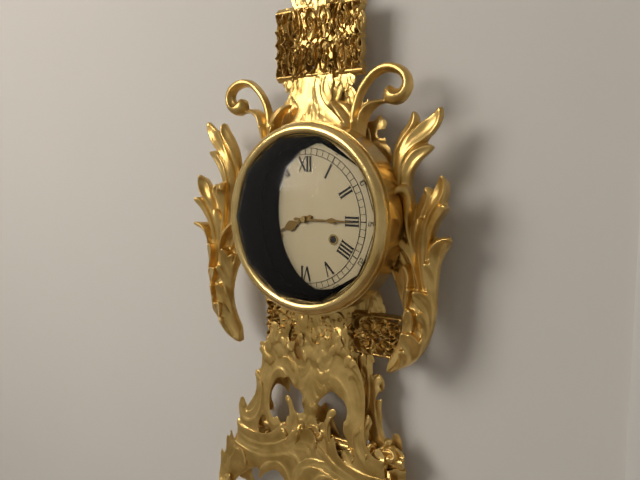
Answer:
8 h 15 min
